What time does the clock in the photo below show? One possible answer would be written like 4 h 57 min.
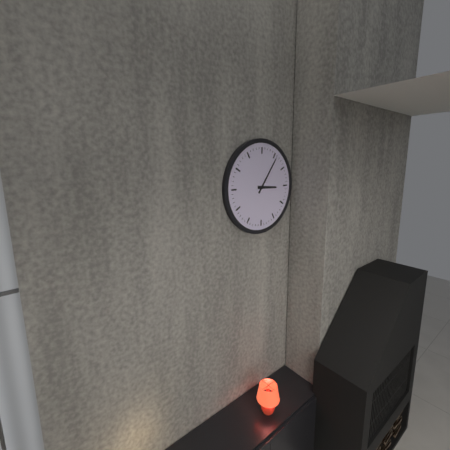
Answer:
3 h 06 min
